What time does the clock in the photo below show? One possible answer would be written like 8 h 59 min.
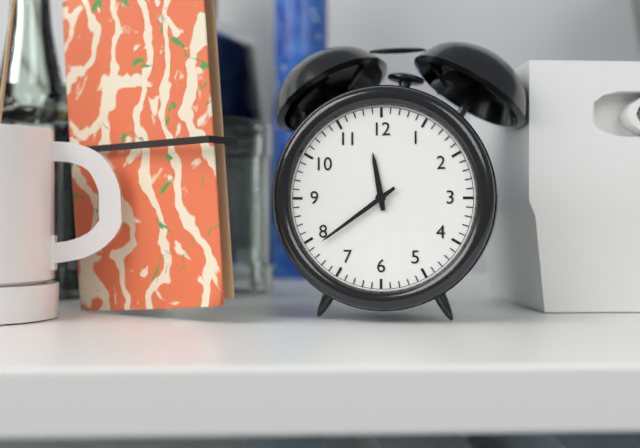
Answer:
11 h 39 min
